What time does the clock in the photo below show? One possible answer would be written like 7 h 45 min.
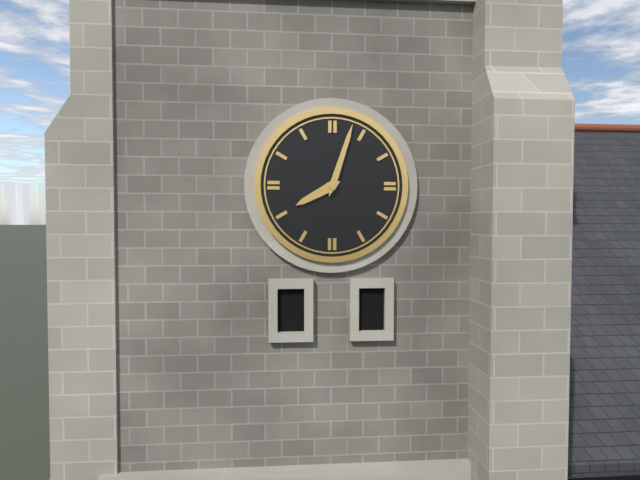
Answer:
8 h 03 min
